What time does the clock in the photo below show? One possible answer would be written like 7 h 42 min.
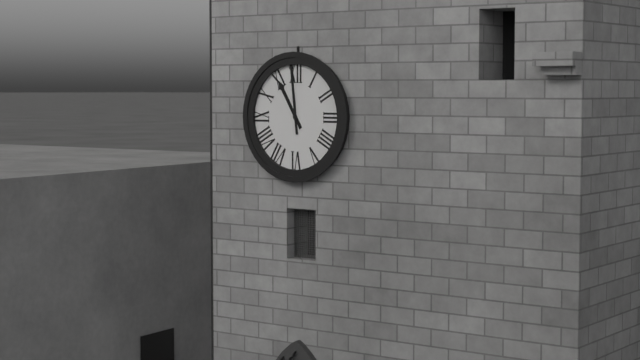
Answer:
10 h 59 min
